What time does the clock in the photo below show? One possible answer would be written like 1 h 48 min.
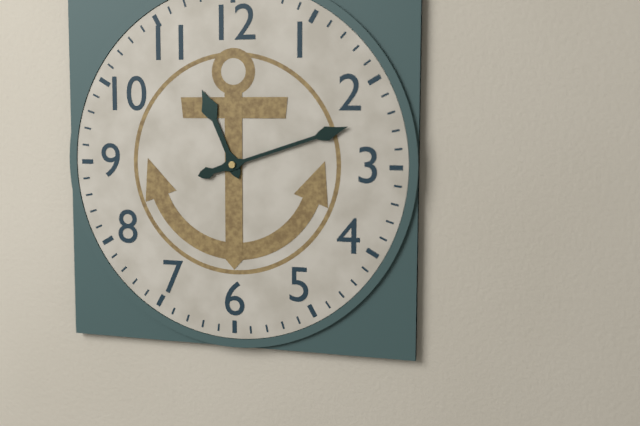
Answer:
11 h 12 min
